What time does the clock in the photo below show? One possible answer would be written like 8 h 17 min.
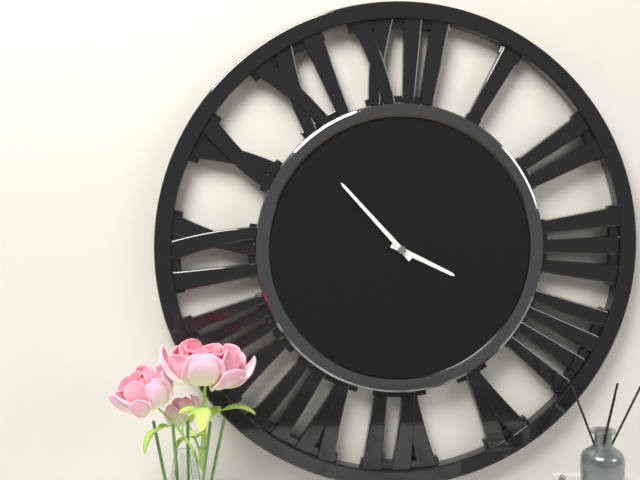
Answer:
3 h 53 min
